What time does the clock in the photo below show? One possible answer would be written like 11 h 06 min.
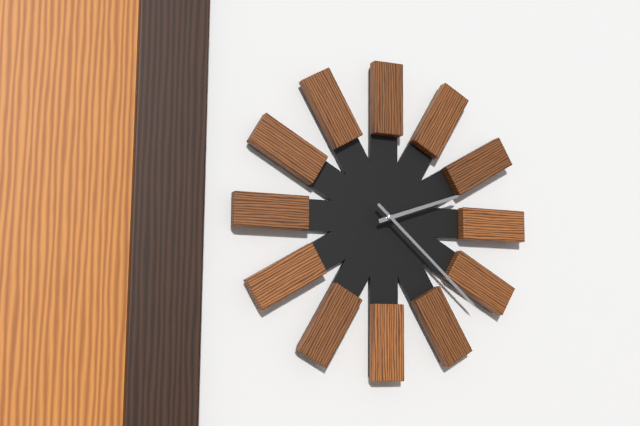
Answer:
2 h 22 min
